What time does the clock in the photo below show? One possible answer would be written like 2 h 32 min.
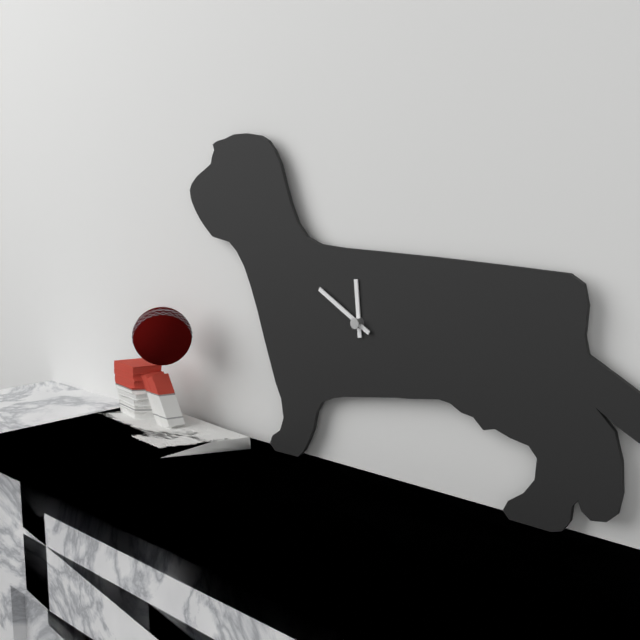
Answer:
11 h 50 min
